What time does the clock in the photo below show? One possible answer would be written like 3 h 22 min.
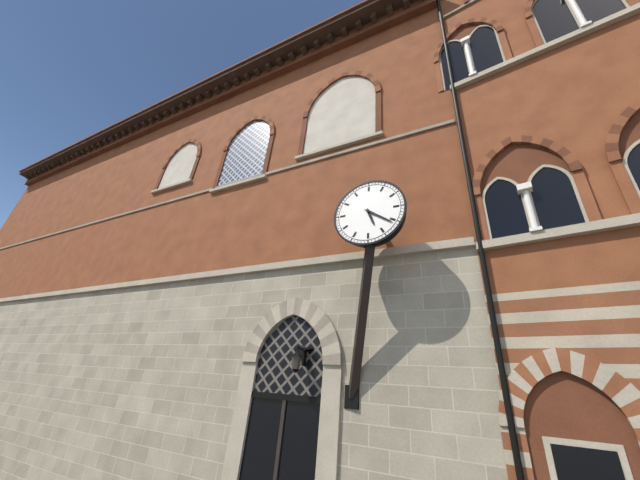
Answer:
5 h 21 min
